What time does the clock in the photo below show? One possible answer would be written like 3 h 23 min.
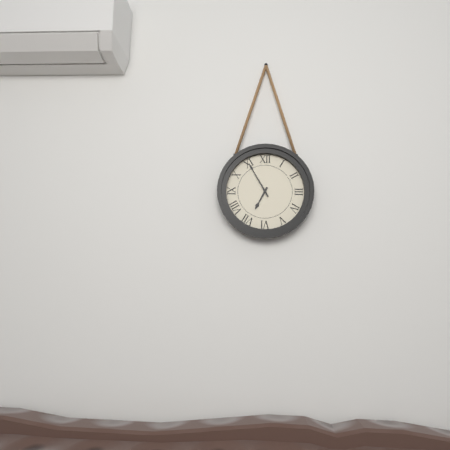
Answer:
6 h 55 min
